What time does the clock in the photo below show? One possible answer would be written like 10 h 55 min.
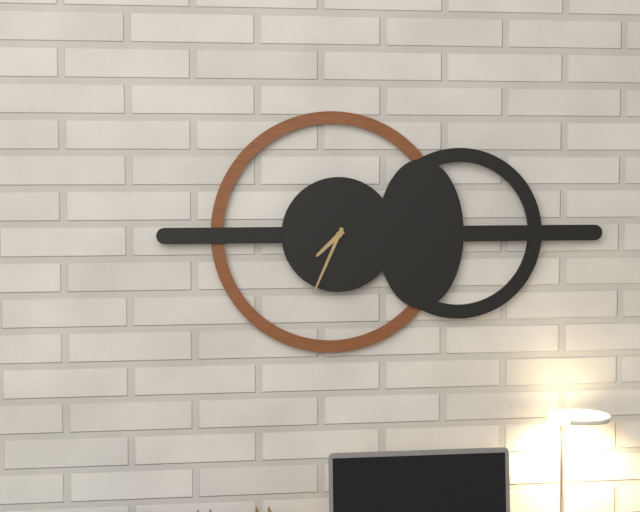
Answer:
7 h 34 min
